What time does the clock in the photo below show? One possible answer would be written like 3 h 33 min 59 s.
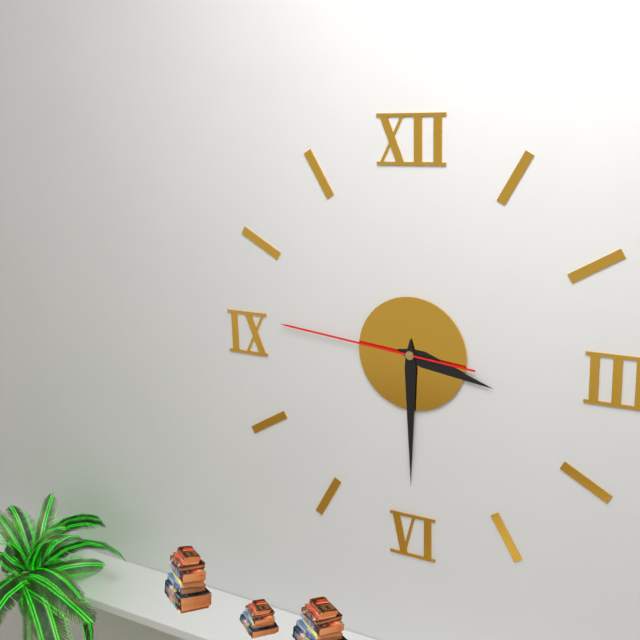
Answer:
3 h 30 min 46 s
